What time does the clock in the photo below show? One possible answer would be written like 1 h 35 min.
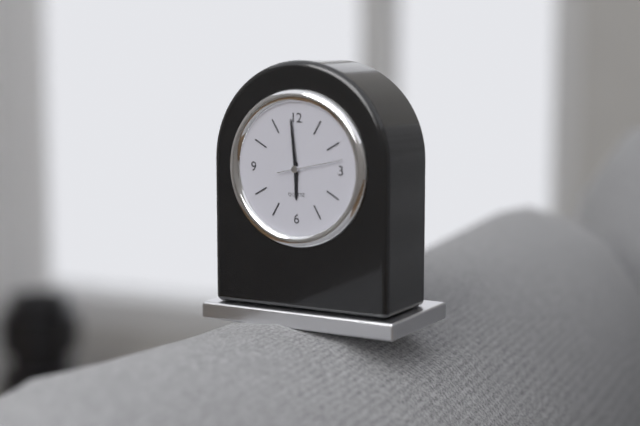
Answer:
5 h 59 min
